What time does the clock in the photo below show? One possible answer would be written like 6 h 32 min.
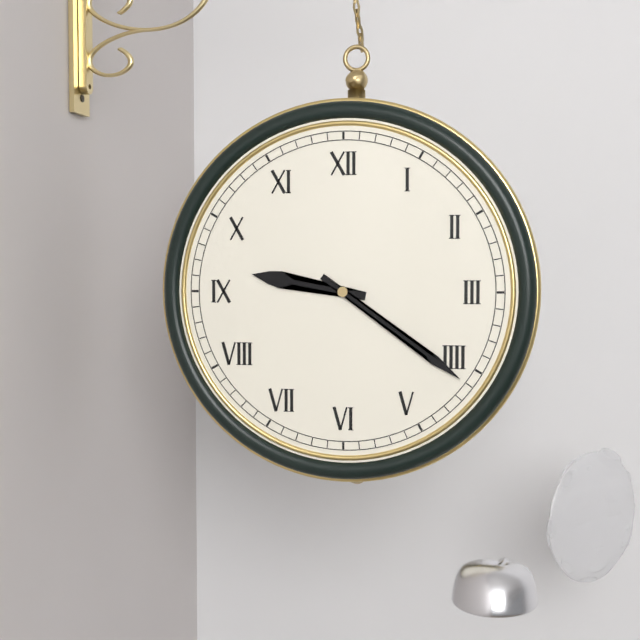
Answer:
9 h 21 min
